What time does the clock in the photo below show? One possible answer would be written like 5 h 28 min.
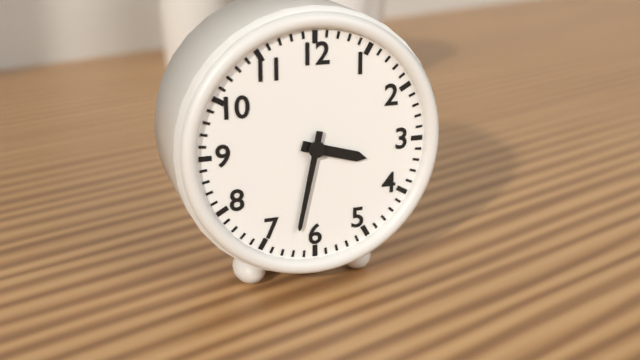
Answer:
3 h 32 min
